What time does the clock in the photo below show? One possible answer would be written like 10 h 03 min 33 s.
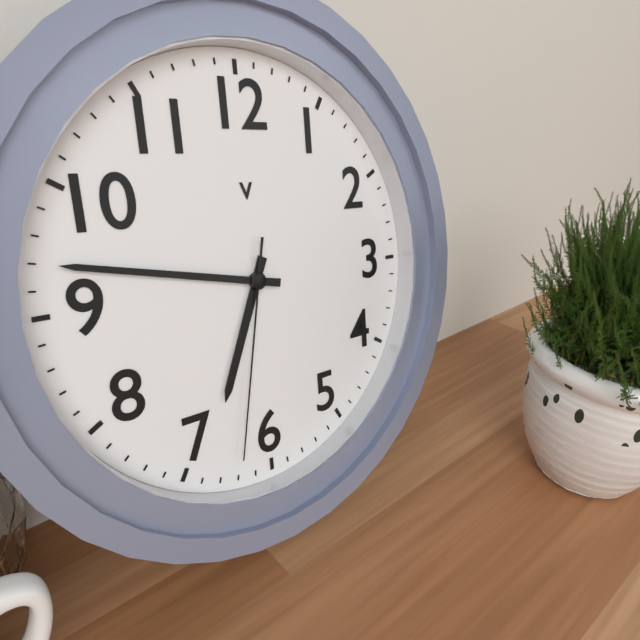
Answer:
6 h 47 min 32 s
